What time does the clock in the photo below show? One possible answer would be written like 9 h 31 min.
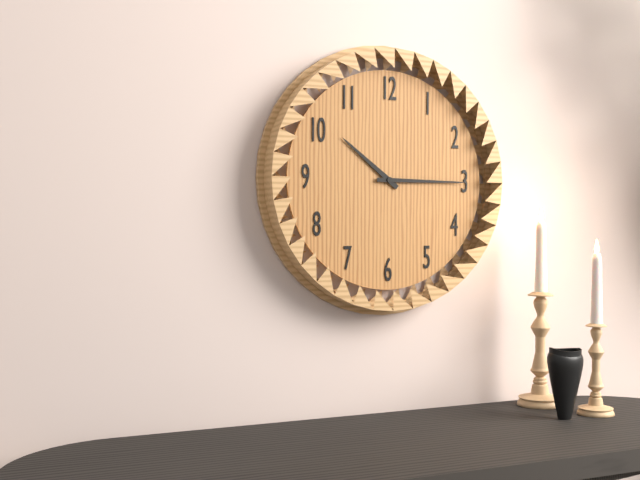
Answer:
10 h 15 min
